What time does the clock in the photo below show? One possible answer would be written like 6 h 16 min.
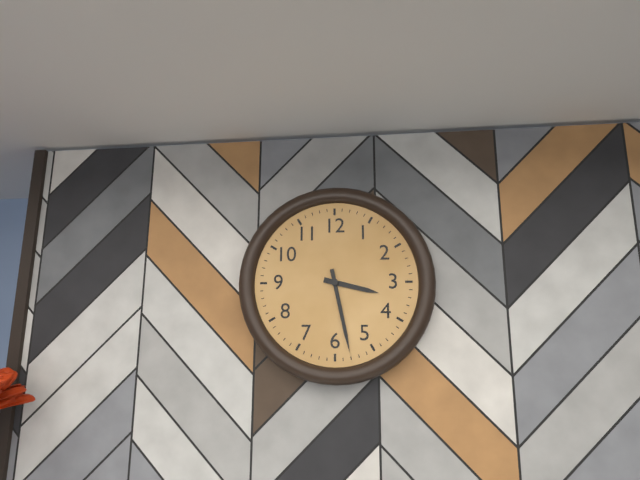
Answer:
3 h 28 min
